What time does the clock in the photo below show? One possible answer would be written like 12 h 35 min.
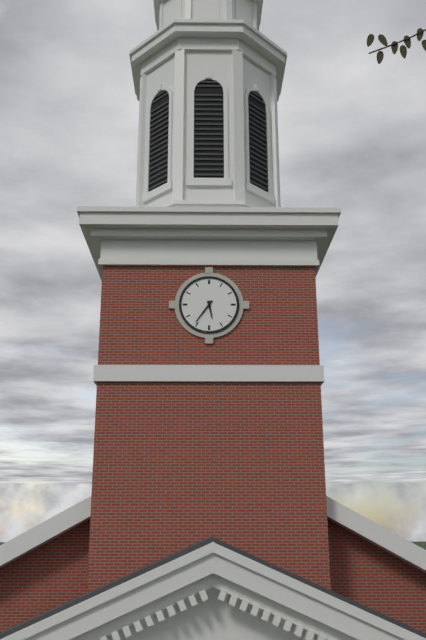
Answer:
5 h 36 min
